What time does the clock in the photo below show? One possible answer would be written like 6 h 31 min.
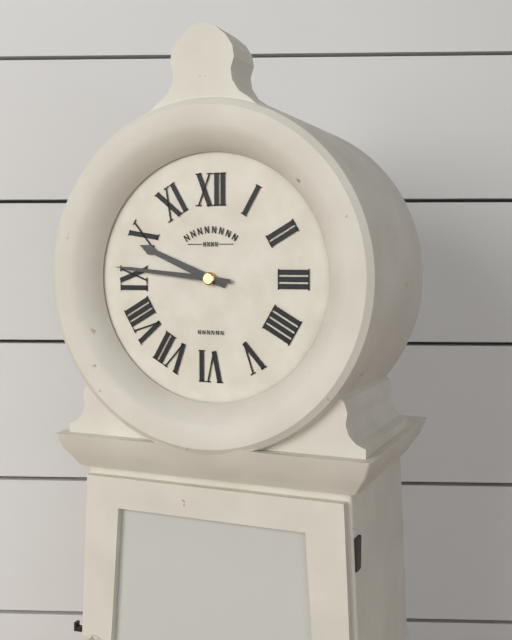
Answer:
9 h 46 min
